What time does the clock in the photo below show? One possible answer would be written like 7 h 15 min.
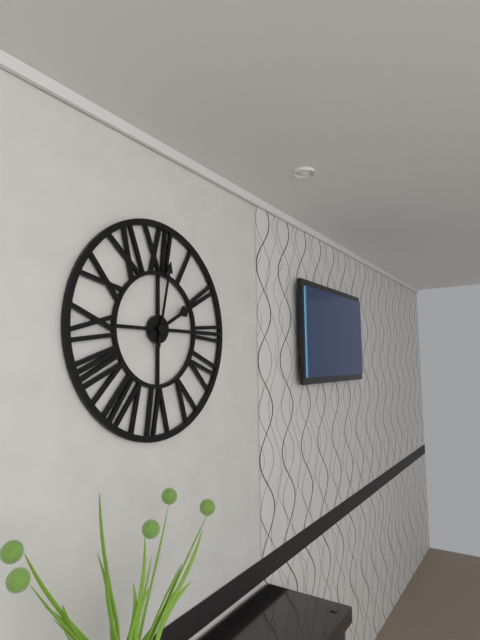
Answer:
2 h 02 min
